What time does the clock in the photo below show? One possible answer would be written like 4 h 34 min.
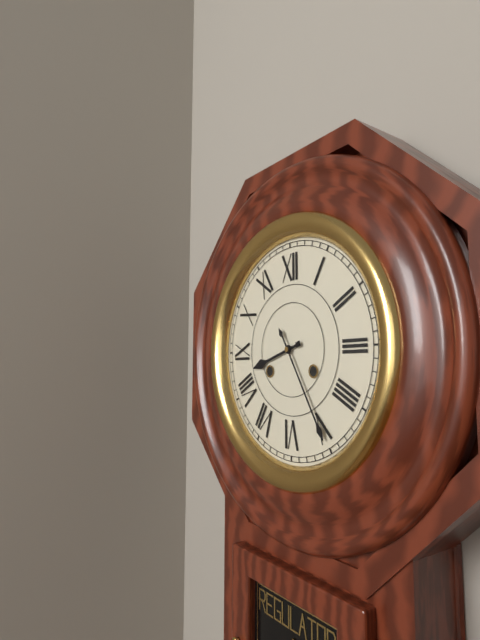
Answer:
8 h 25 min
